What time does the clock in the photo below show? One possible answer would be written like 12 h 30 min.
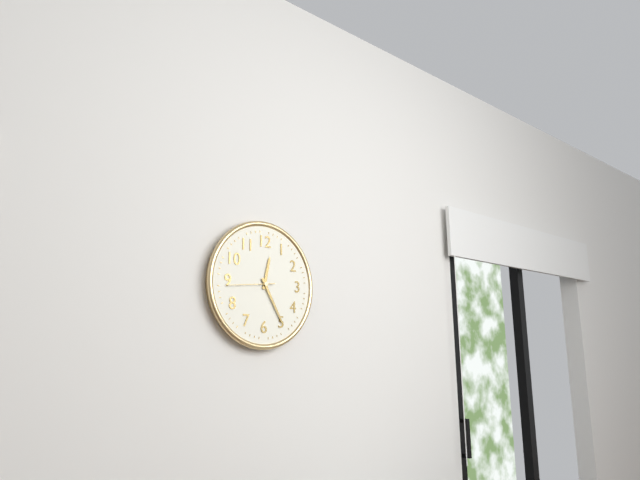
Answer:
12 h 25 min
